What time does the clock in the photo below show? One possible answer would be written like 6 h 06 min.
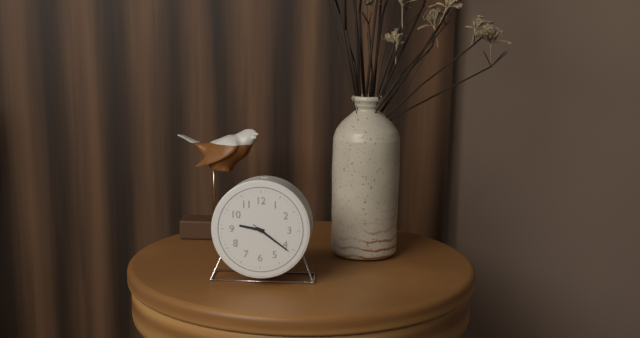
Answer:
9 h 21 min
